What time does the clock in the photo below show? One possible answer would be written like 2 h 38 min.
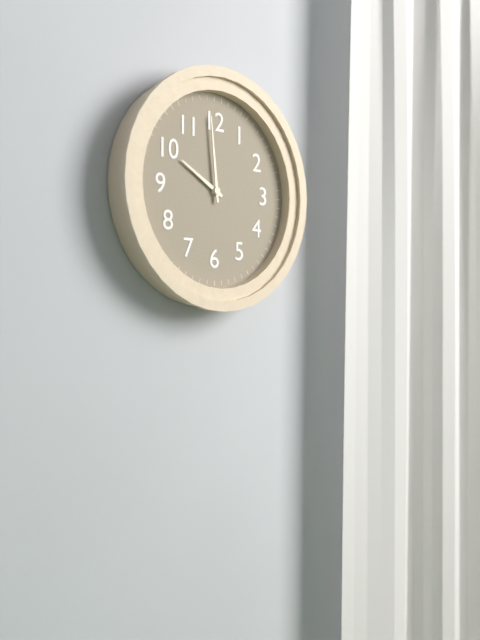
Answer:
9 h 59 min
